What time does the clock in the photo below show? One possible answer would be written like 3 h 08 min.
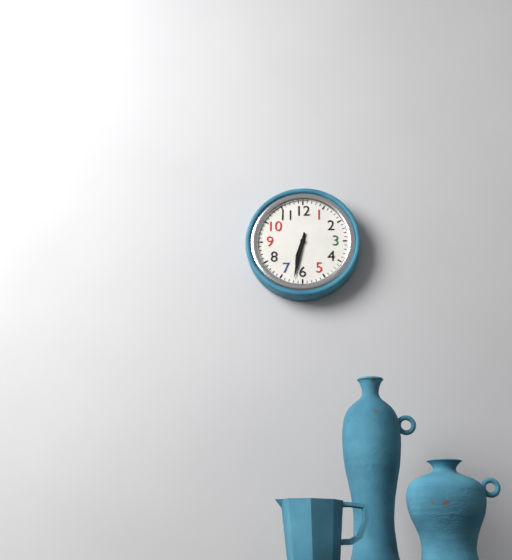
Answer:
6 h 32 min
